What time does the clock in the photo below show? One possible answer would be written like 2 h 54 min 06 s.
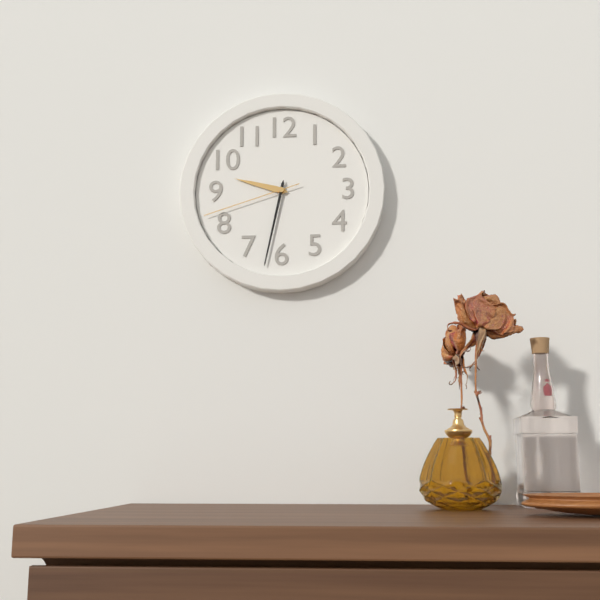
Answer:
9 h 32 min 42 s
